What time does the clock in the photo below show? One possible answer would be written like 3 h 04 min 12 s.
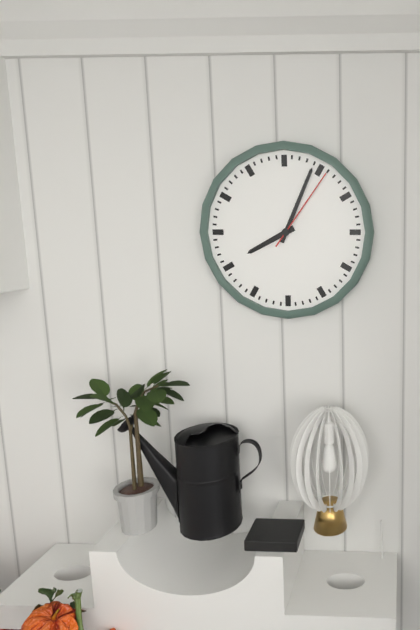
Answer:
8 h 04 min 06 s
